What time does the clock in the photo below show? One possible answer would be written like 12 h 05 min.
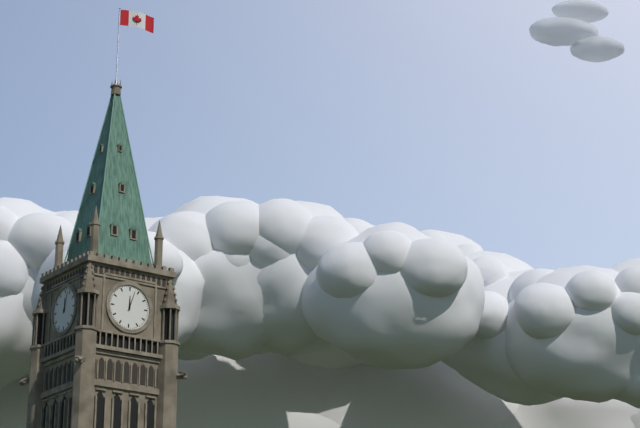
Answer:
12 h 03 min
